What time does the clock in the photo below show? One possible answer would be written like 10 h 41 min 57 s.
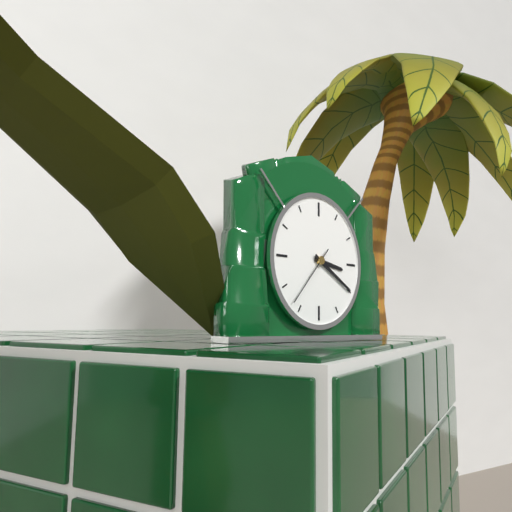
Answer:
3 h 20 min 37 s
